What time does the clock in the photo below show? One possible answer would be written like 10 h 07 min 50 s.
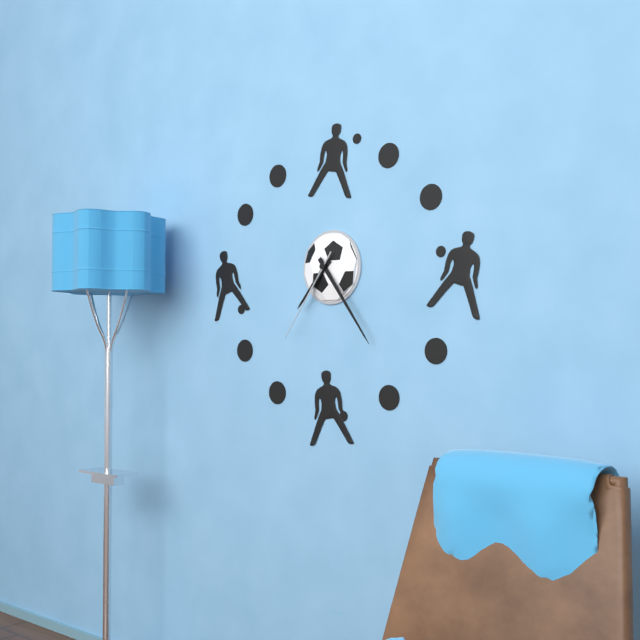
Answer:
7 h 24 min 36 s
